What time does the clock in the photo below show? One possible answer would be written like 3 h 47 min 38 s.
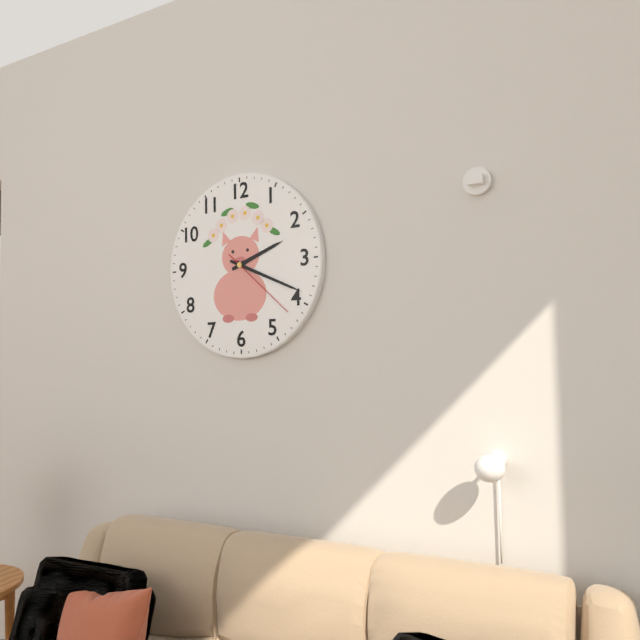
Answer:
2 h 19 min 22 s
